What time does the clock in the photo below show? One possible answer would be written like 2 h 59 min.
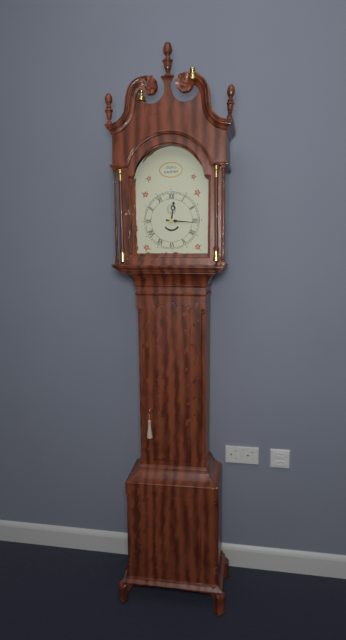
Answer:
12 h 16 min
